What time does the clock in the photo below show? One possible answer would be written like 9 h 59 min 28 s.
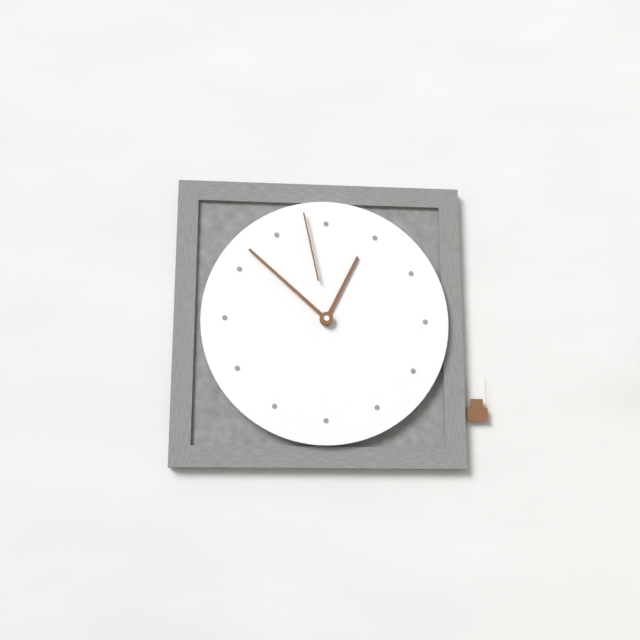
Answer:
12 h 52 min 58 s
